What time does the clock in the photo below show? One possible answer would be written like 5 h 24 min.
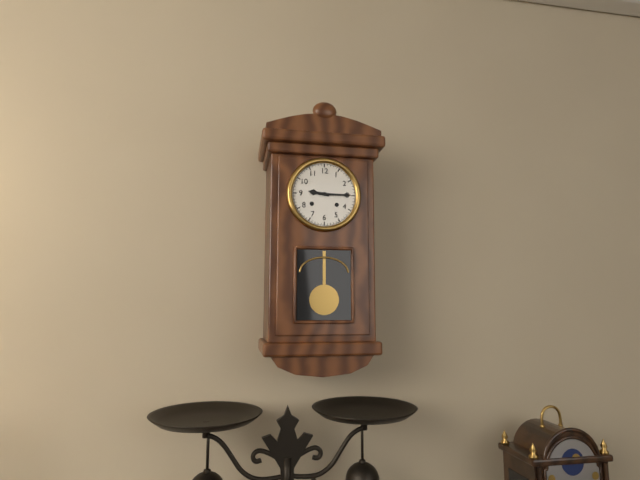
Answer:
9 h 15 min
